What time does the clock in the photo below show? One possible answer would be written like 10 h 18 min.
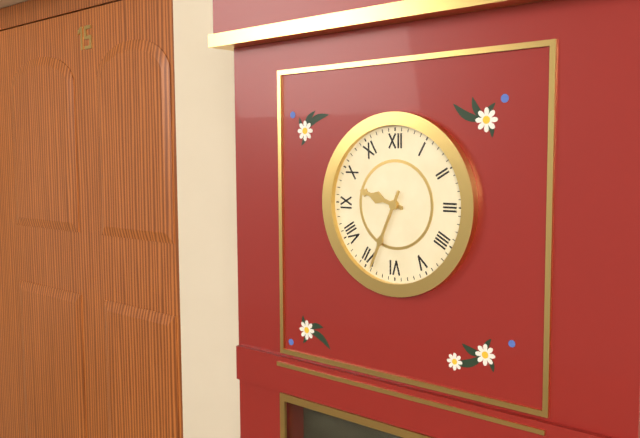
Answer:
9 h 34 min
